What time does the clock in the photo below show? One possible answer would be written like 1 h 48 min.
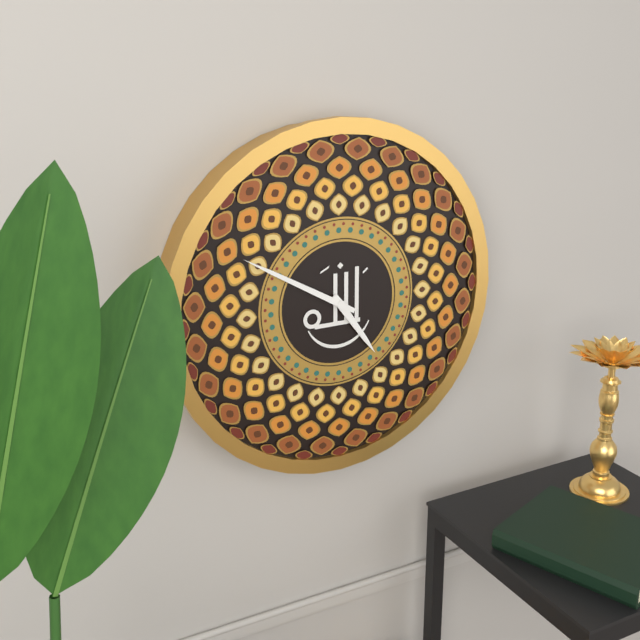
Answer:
4 h 50 min
